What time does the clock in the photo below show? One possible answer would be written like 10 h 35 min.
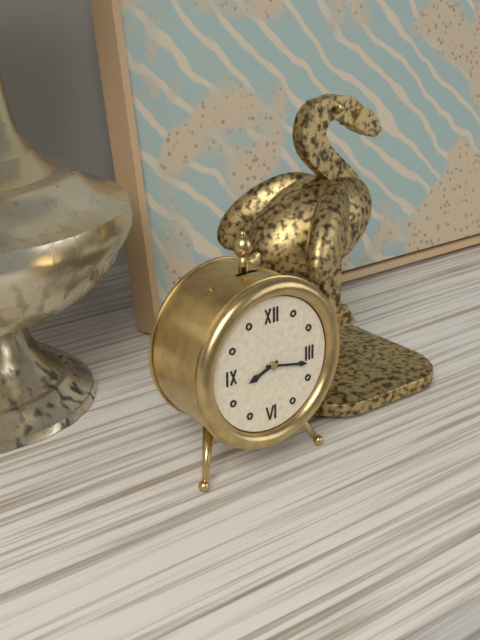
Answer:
8 h 17 min
